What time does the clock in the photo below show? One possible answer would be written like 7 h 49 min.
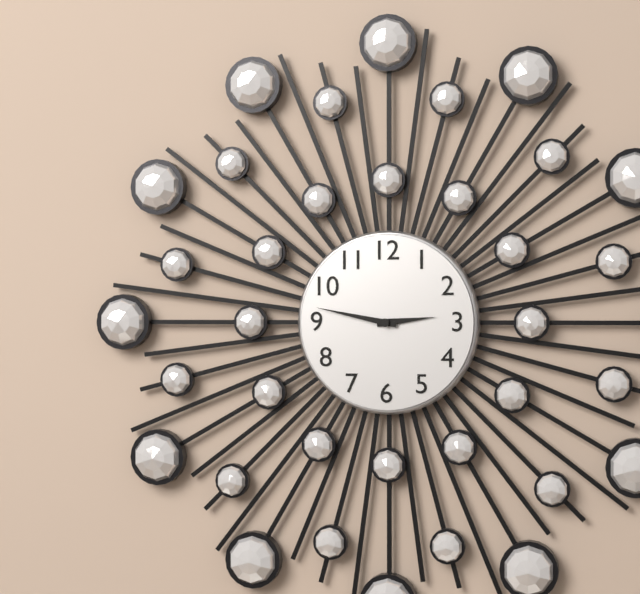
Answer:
2 h 47 min
